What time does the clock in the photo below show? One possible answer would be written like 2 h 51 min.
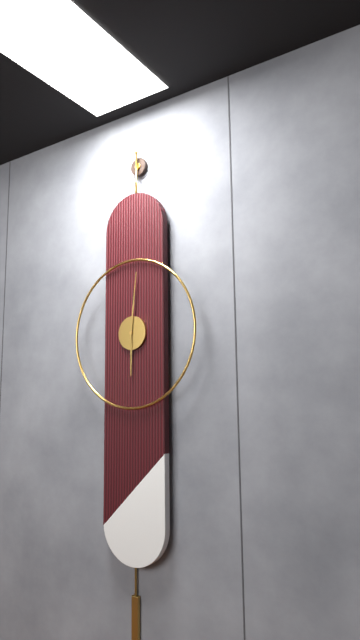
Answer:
6 h 01 min
